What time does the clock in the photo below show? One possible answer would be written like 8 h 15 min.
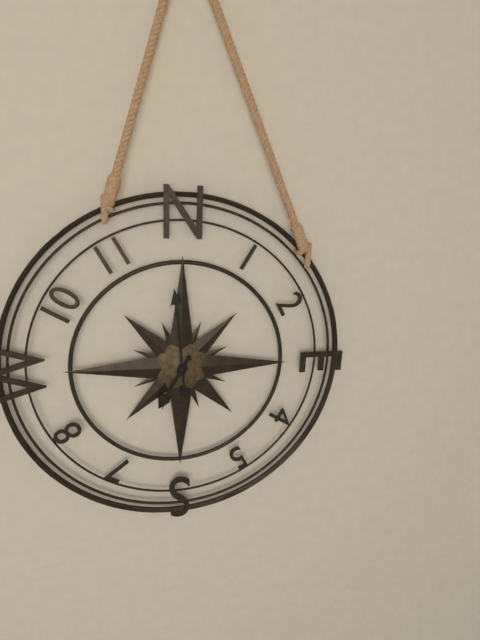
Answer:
6 h 59 min
